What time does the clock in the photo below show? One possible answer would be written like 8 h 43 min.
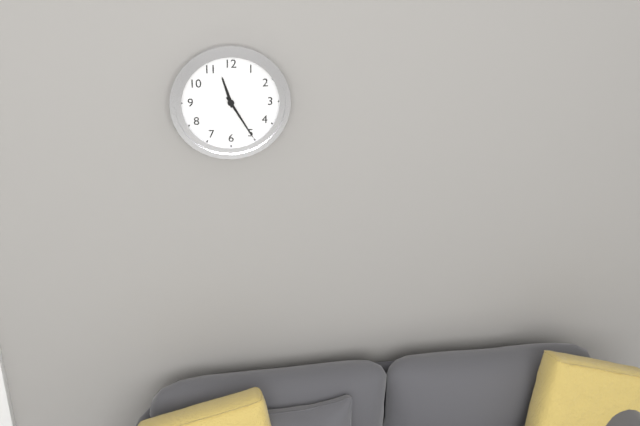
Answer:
11 h 25 min
